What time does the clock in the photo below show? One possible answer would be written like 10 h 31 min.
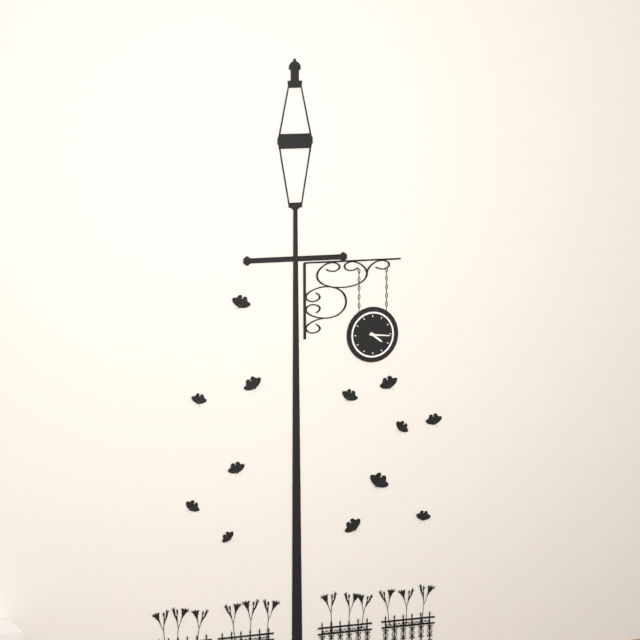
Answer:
4 h 16 min
